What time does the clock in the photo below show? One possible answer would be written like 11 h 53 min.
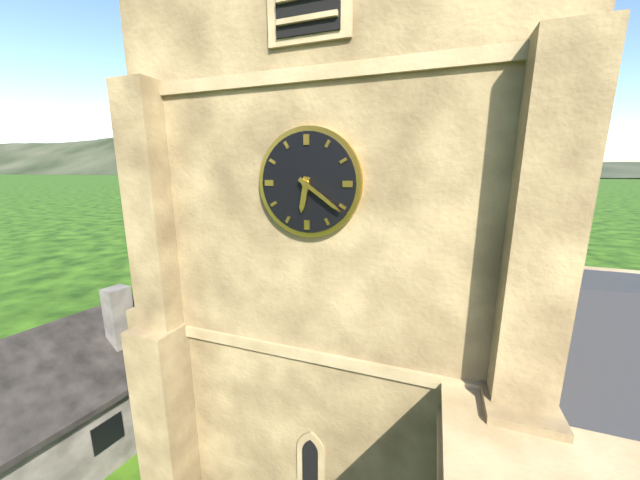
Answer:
6 h 21 min
